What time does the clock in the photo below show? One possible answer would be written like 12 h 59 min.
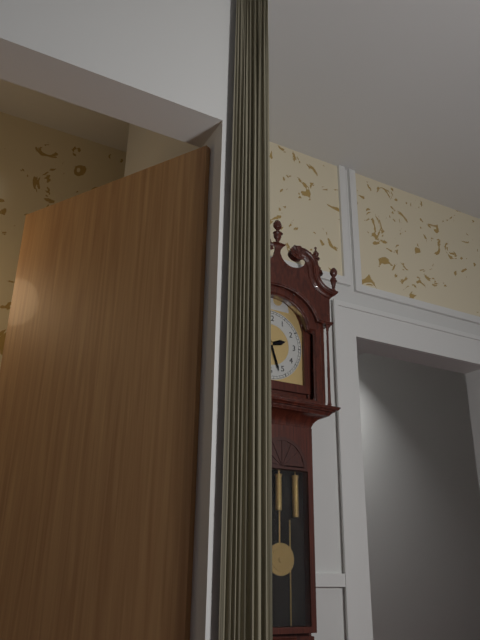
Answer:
2 h 27 min
